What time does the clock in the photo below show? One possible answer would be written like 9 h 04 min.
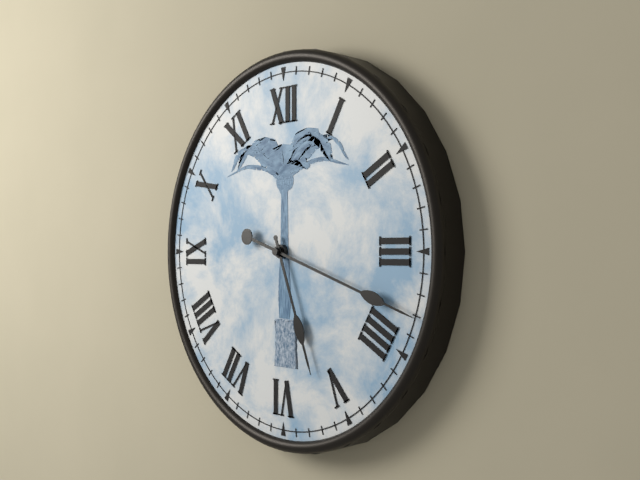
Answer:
5 h 18 min
